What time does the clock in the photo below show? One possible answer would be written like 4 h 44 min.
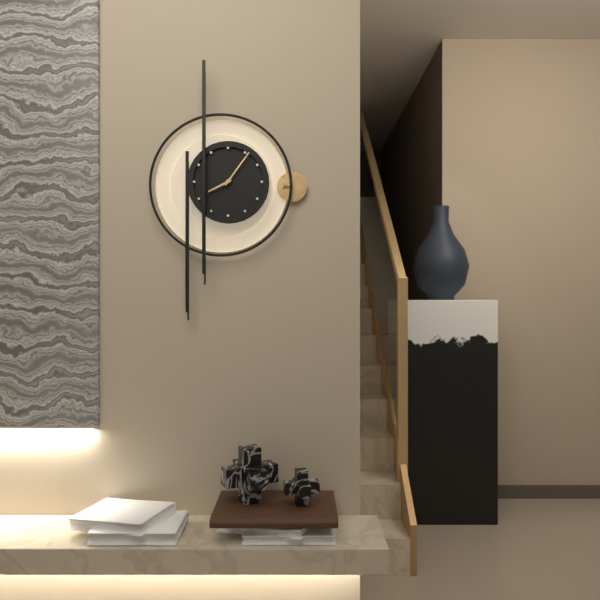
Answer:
8 h 06 min
